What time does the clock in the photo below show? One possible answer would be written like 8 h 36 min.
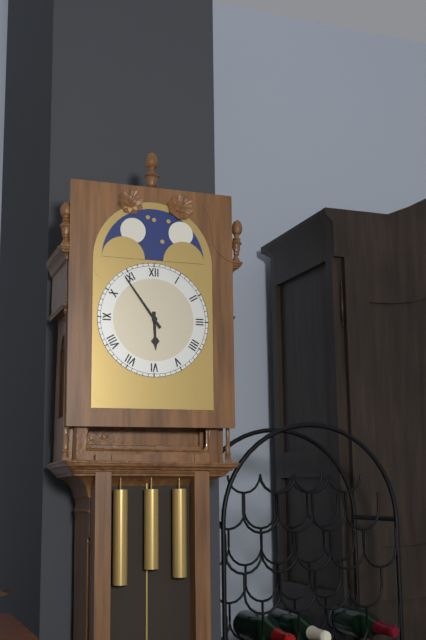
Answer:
5 h 54 min
